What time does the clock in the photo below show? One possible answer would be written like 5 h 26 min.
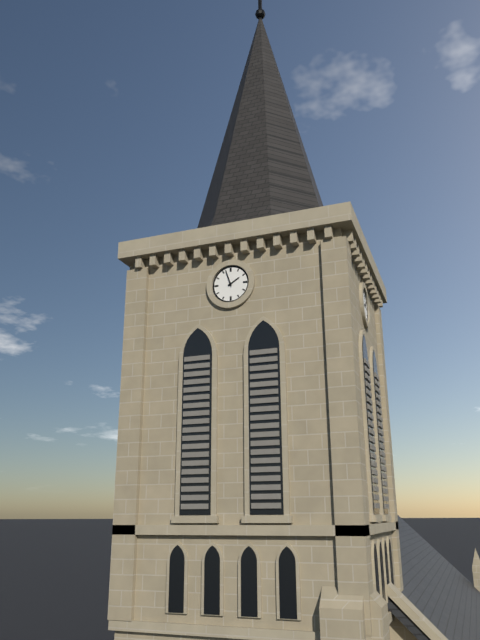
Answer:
1 h 57 min
